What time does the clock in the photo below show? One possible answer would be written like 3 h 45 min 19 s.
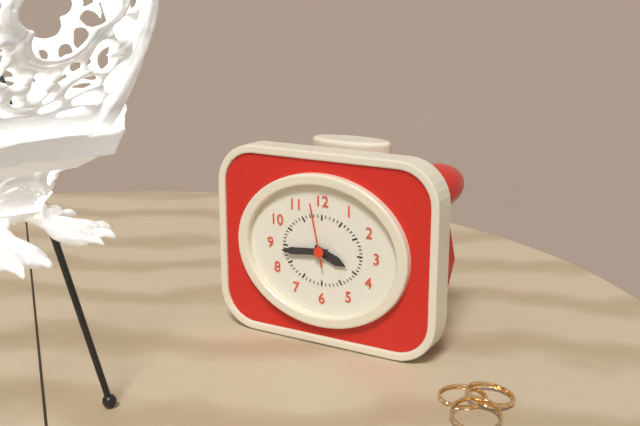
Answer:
3 h 44 min 58 s
